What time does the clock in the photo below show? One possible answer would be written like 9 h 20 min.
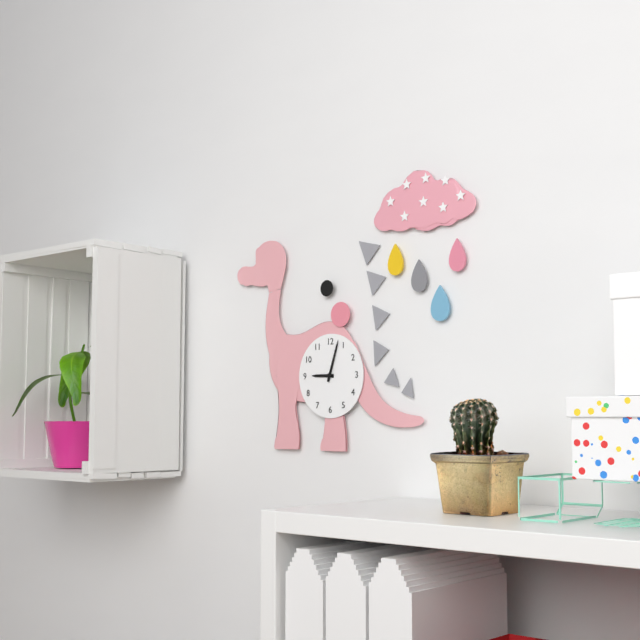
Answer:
9 h 03 min
